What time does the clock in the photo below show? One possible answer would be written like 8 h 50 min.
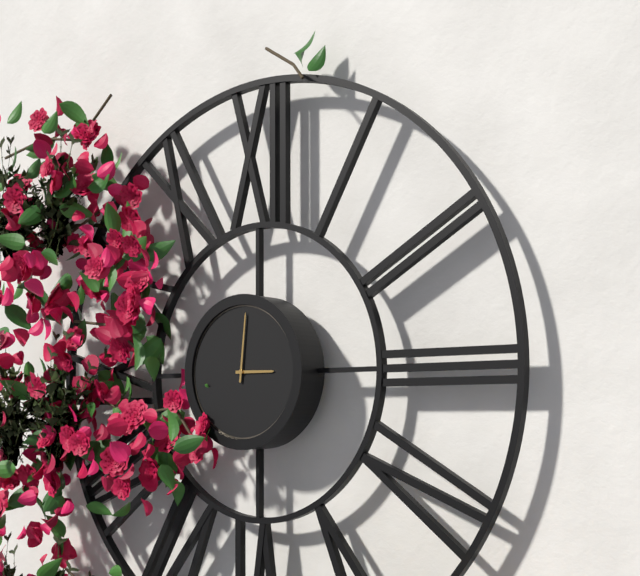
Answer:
3 h 01 min
